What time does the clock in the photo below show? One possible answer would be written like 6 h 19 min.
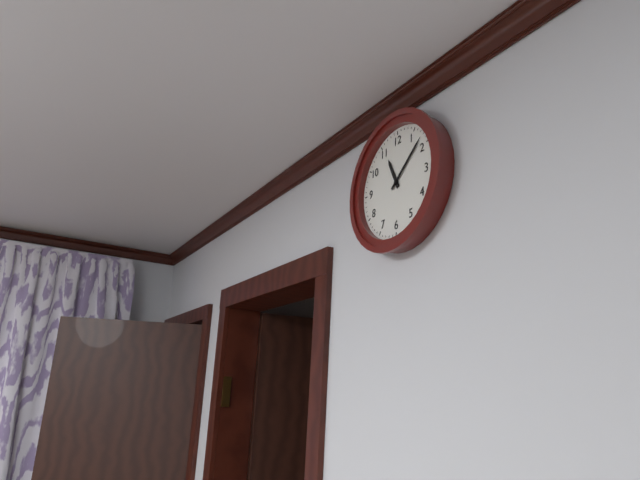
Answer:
11 h 08 min
